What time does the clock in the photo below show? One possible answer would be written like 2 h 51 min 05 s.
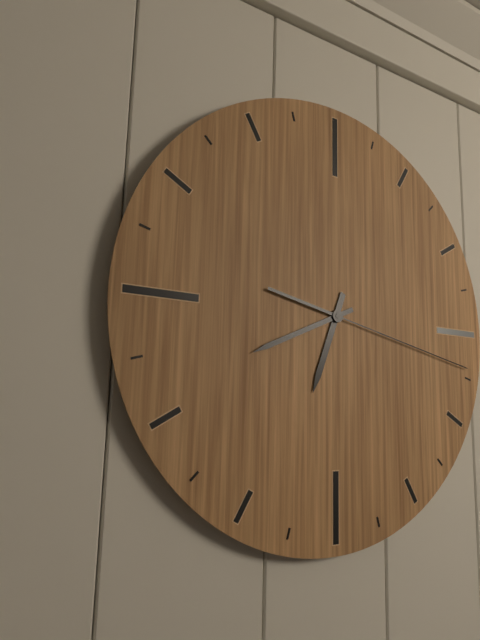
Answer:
6 h 41 min 17 s
